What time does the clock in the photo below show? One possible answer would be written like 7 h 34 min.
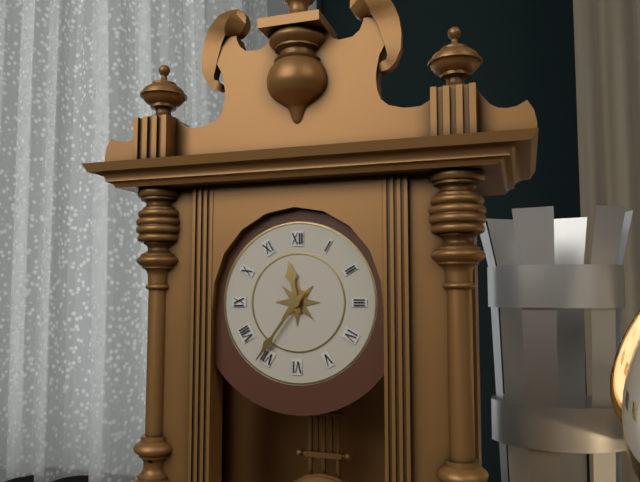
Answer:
11 h 36 min
